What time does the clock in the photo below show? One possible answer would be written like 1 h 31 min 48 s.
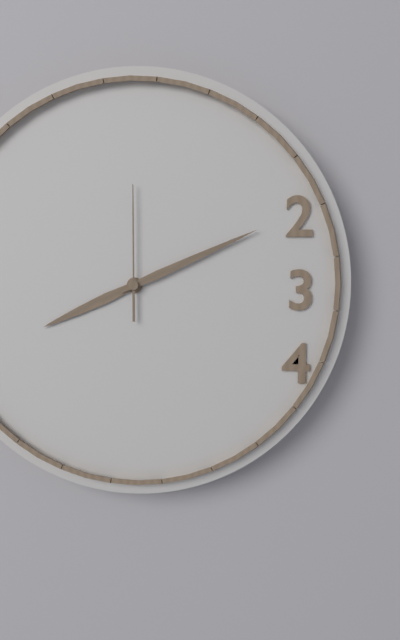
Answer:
8 h 11 min 00 s
